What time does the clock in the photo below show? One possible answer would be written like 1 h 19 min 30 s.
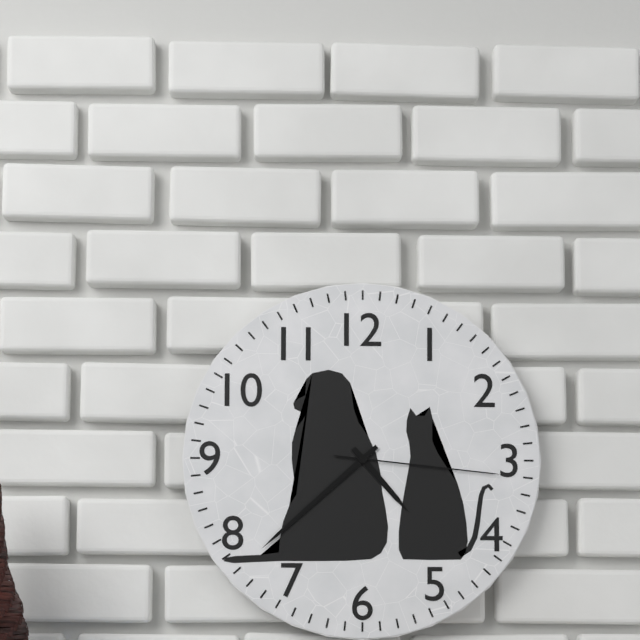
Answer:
4 h 38 min 16 s
